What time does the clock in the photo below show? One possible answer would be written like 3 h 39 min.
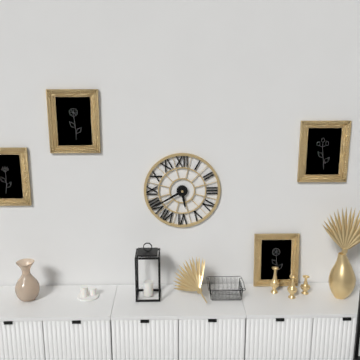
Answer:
5 h 40 min
